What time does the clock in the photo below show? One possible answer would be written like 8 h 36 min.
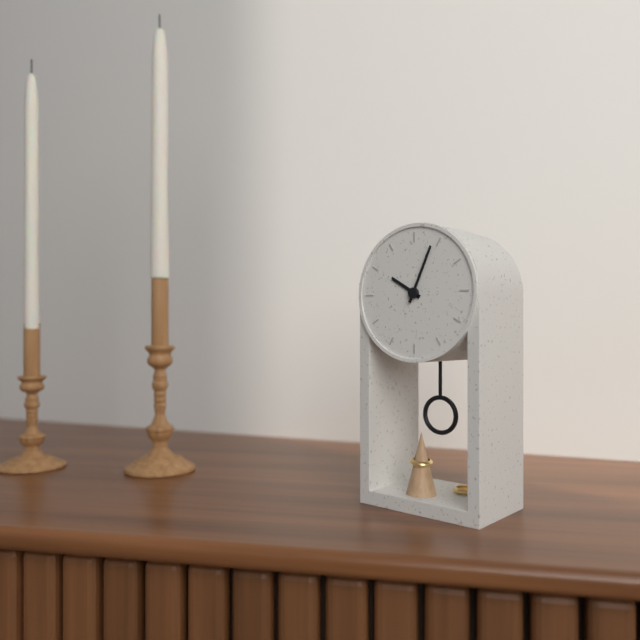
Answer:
10 h 04 min
